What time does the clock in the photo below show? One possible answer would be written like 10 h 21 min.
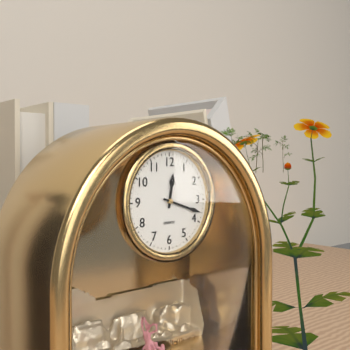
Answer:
12 h 18 min
